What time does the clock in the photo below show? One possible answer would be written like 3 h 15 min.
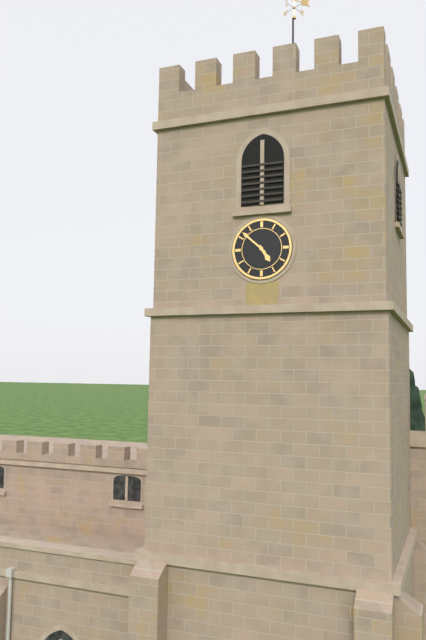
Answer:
4 h 52 min
